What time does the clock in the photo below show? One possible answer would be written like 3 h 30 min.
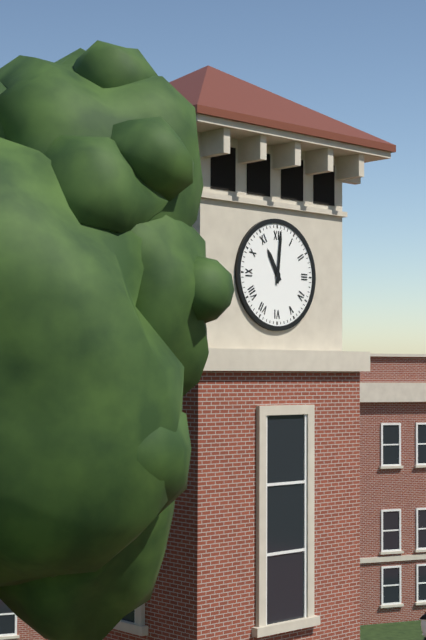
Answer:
11 h 01 min
